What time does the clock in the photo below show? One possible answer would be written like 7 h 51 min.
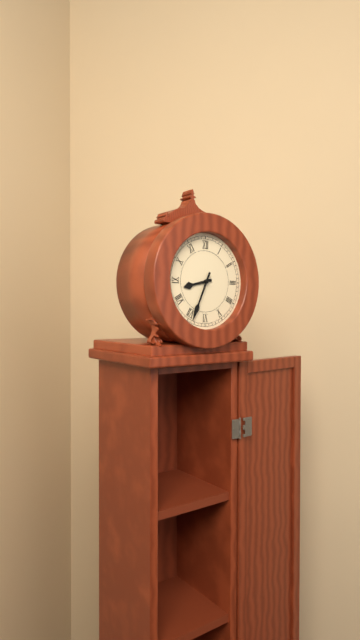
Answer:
8 h 34 min
